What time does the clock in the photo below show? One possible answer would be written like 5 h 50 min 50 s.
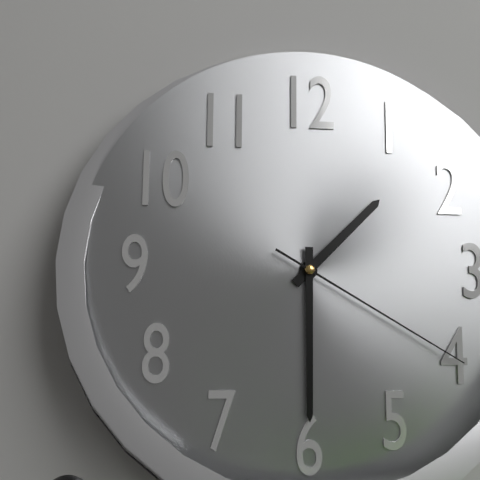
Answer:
1 h 30 min 20 s
